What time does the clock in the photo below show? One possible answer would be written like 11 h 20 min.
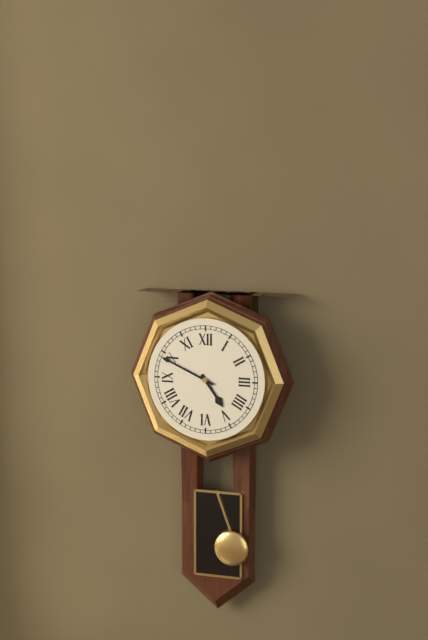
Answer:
4 h 49 min
